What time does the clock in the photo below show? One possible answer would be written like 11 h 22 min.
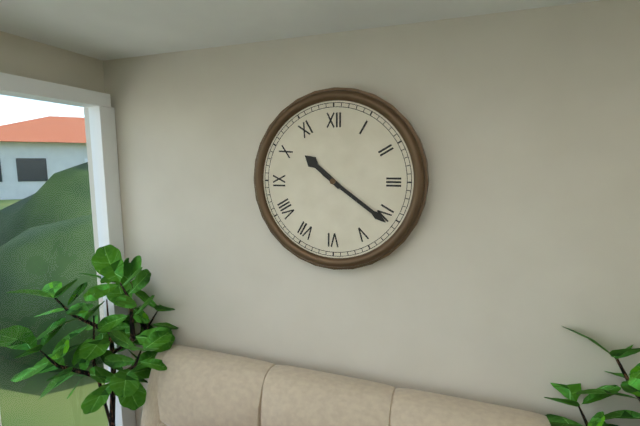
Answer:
10 h 21 min
